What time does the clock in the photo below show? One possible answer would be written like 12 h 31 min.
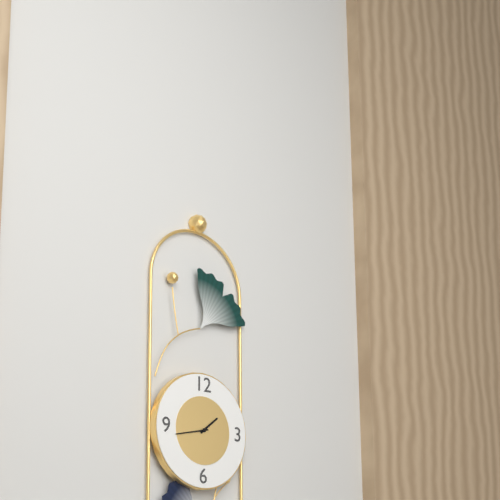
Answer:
1 h 43 min
